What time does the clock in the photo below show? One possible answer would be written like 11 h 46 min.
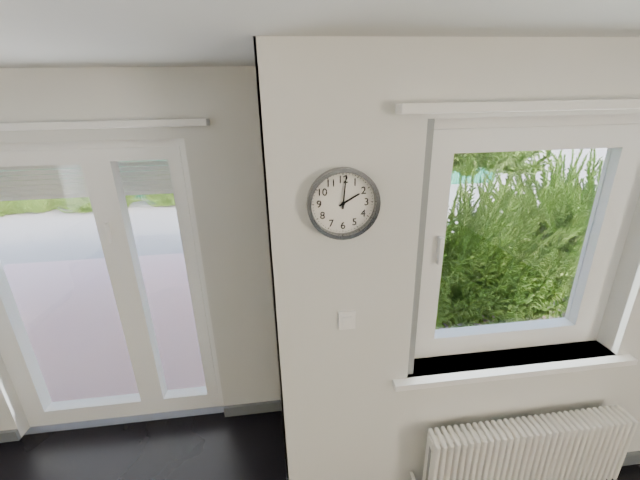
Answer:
2 h 01 min
